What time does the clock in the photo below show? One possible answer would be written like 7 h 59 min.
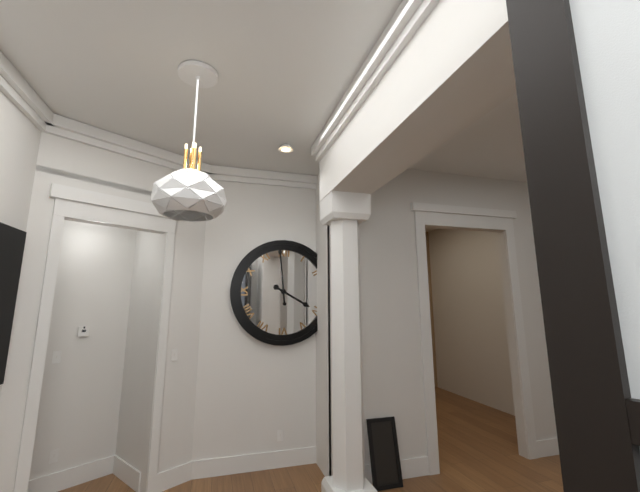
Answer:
3 h 59 min
